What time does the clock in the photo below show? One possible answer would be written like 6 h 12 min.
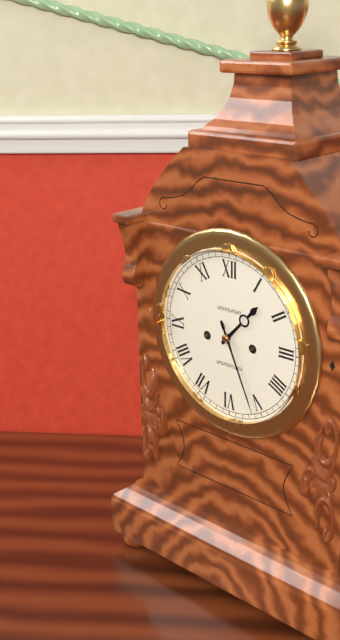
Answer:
1 h 26 min
